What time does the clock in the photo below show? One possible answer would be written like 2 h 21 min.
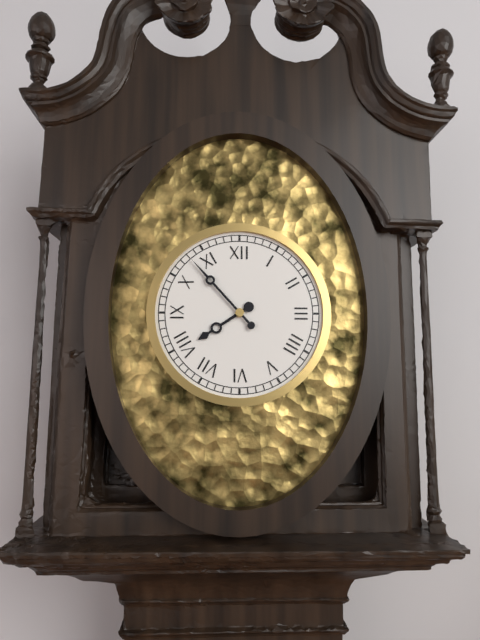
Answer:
7 h 53 min
